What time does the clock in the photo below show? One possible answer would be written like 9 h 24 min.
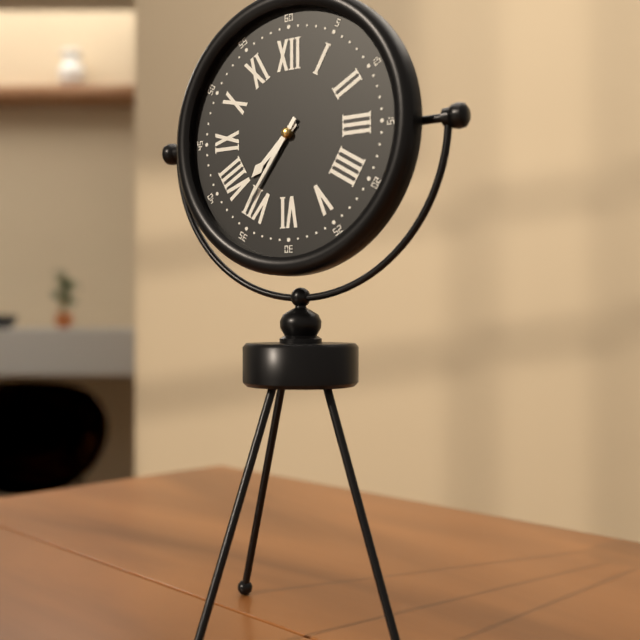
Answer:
7 h 36 min
